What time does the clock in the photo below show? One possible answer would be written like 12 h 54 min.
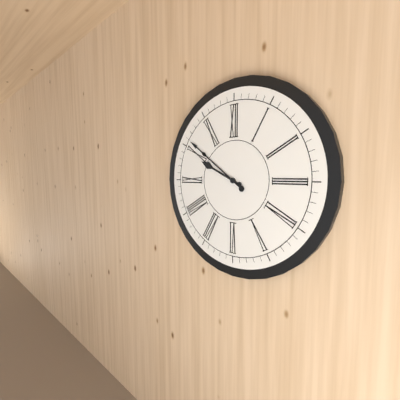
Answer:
9 h 51 min
